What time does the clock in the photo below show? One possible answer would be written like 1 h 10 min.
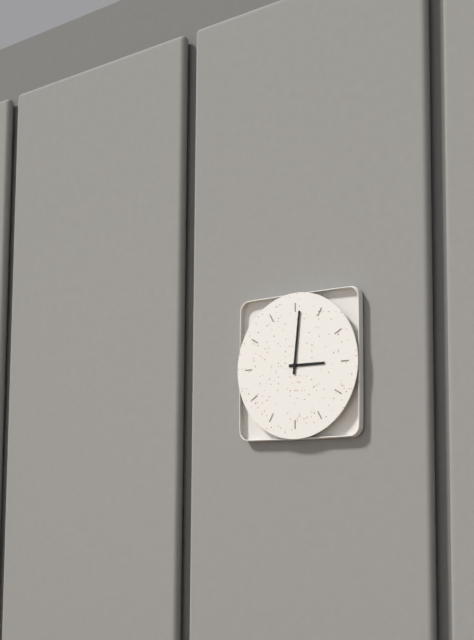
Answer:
3 h 01 min
